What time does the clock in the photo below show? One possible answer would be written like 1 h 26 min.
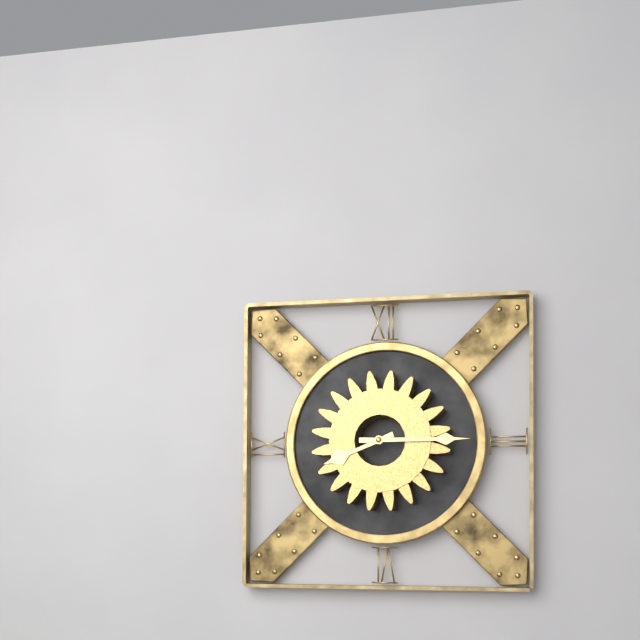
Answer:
8 h 15 min
